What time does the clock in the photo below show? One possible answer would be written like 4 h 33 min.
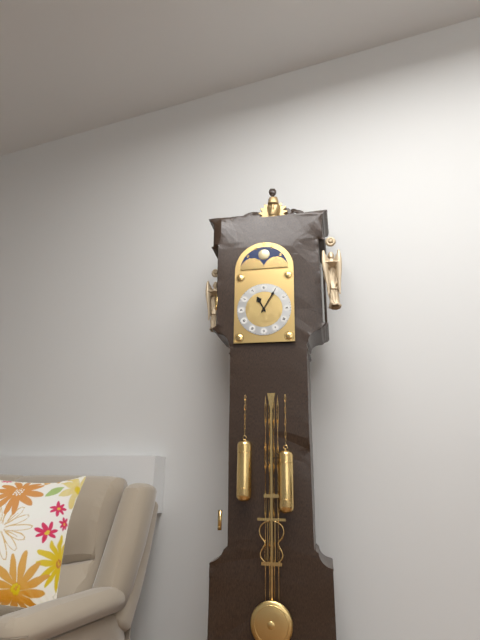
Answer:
11 h 05 min
